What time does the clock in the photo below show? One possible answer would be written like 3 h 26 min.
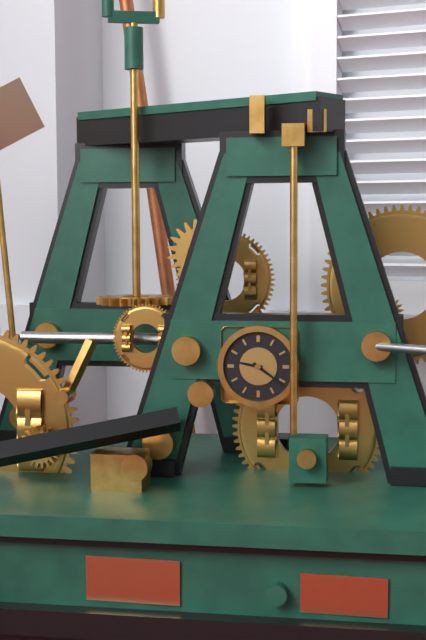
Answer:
9 h 21 min
